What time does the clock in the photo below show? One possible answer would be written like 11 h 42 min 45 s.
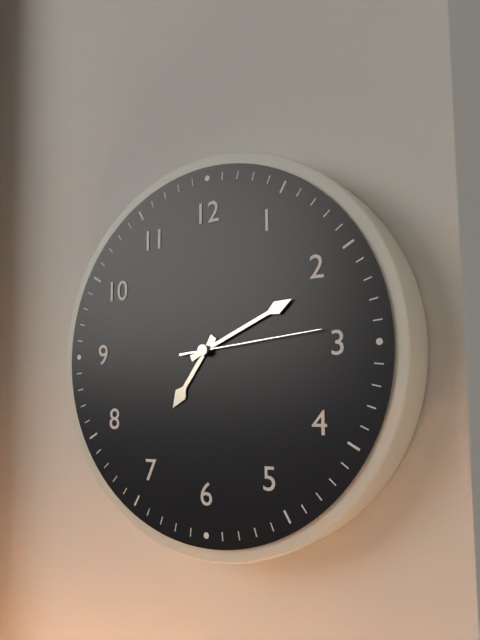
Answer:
7 h 11 min 14 s
